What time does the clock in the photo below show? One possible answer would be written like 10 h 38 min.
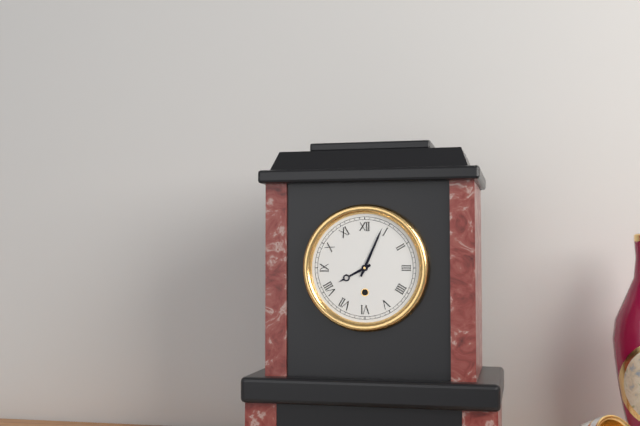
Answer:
8 h 04 min
